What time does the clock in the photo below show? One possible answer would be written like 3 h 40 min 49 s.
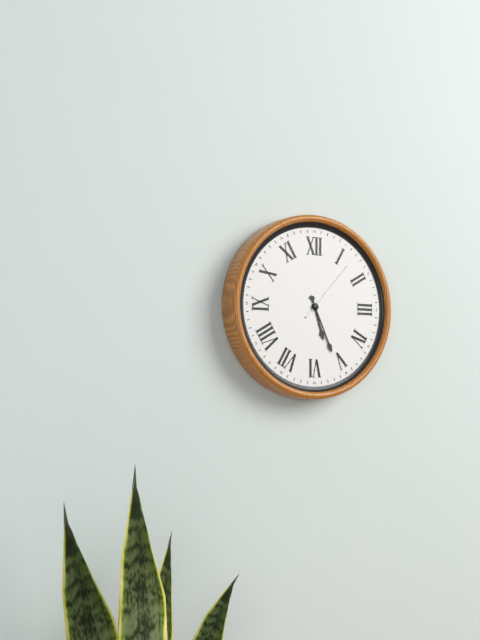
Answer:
5 h 26 min 07 s
